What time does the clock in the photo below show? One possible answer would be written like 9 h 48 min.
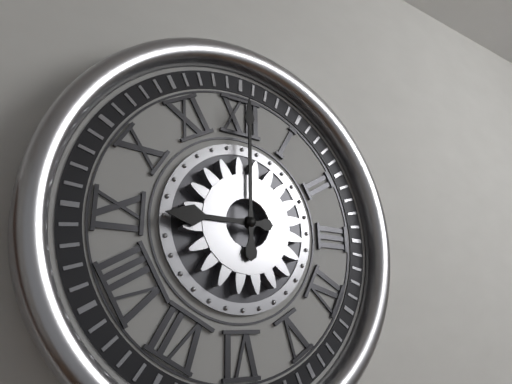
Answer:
9 h 00 min
